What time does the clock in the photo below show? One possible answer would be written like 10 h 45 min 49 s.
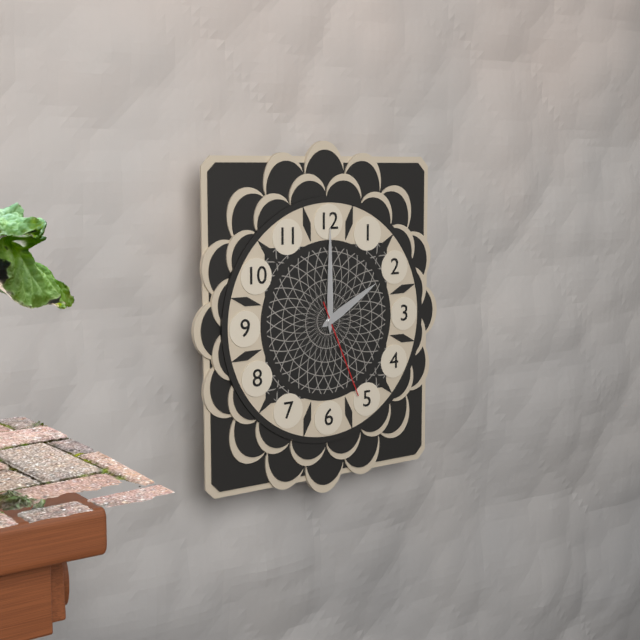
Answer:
2 h 00 min 26 s
